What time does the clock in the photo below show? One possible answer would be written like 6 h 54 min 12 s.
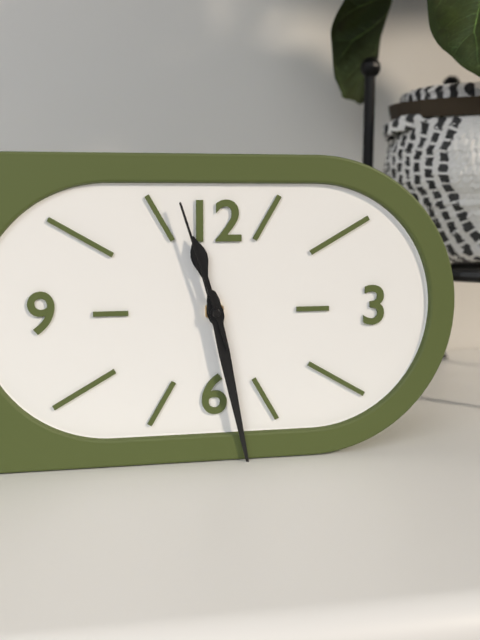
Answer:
11 h 28 min 57 s
